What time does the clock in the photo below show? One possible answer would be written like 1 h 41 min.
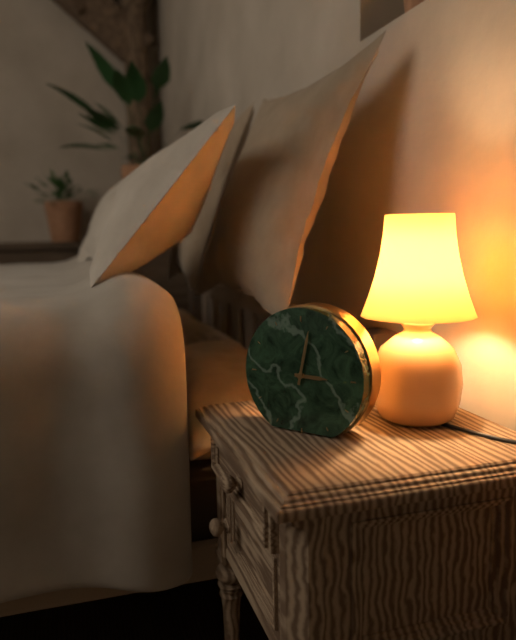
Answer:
3 h 02 min
